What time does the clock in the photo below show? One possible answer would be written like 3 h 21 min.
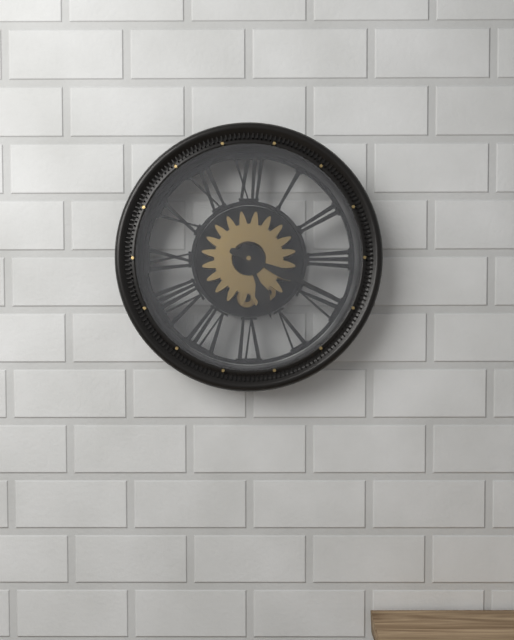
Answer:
5 h 19 min
